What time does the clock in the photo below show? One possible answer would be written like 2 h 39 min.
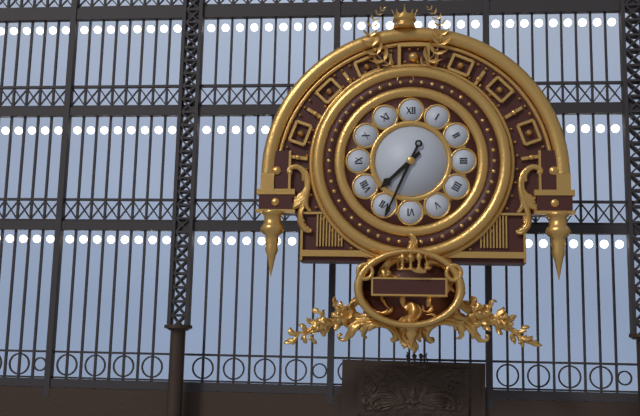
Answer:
7 h 34 min
